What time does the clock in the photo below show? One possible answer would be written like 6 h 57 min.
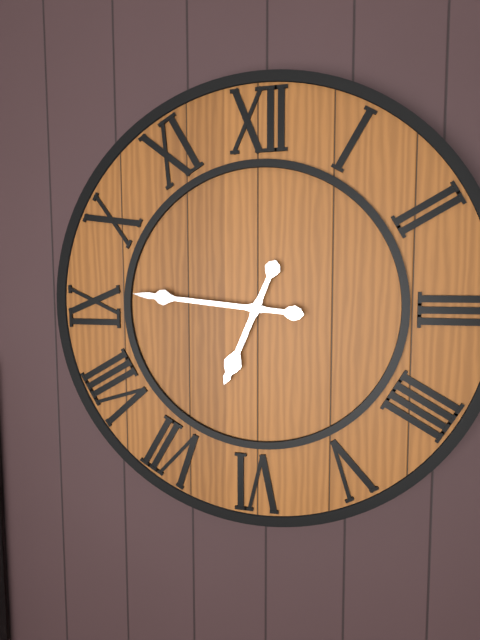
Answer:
6 h 46 min
